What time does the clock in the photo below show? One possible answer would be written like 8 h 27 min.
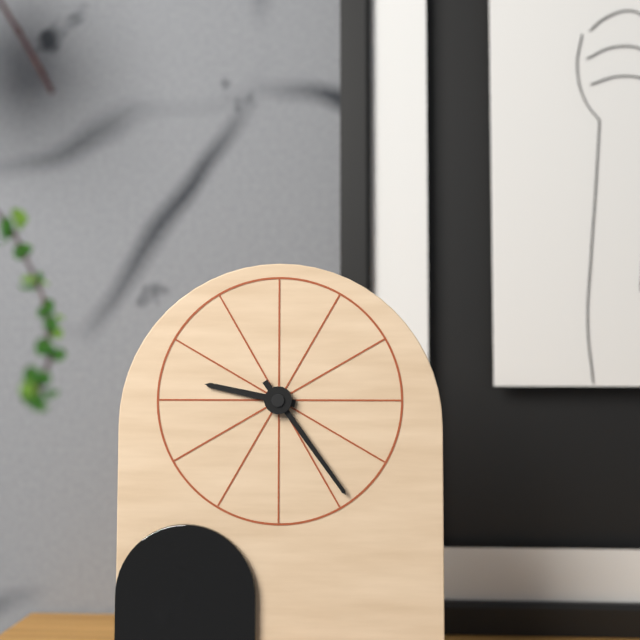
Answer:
9 h 24 min
